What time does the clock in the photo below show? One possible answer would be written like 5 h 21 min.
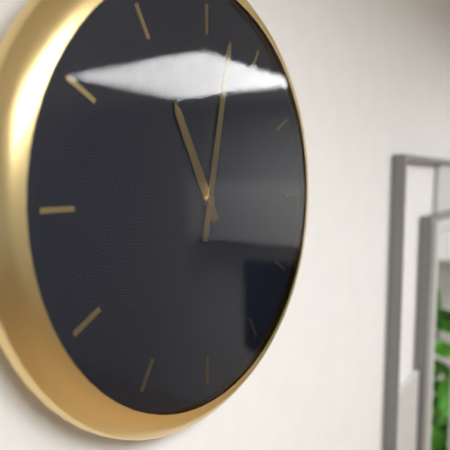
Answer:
11 h 02 min
